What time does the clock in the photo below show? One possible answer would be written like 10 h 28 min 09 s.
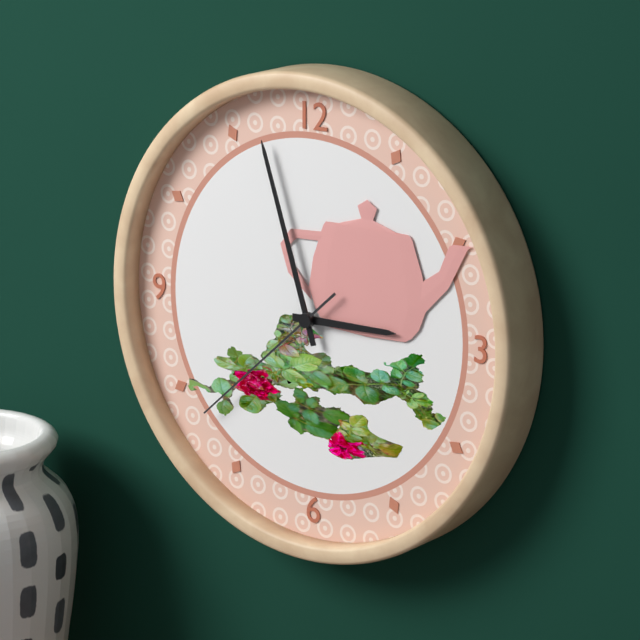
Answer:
2 h 57 min 38 s
